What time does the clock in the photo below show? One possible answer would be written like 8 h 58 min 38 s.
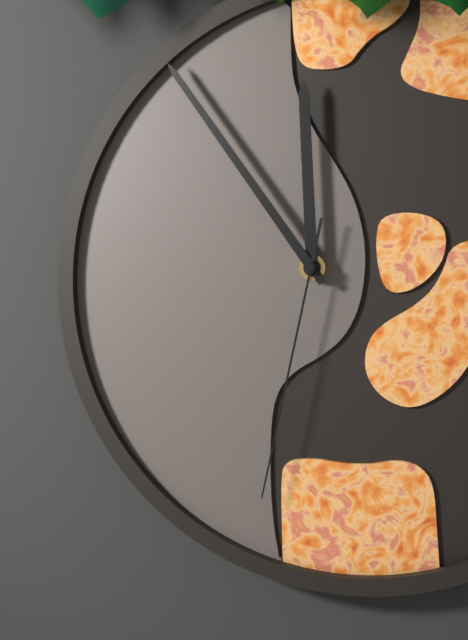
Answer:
11 h 54 min 32 s
